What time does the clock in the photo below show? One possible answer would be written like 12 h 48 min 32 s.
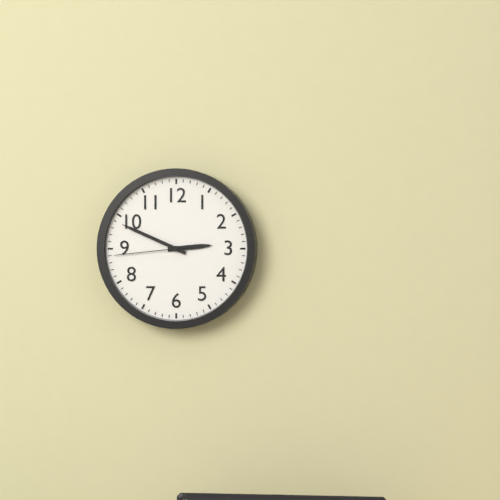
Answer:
2 h 49 min 44 s
